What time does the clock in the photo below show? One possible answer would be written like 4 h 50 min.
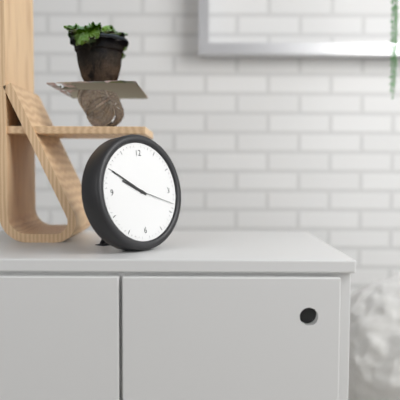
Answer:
9 h 50 min
